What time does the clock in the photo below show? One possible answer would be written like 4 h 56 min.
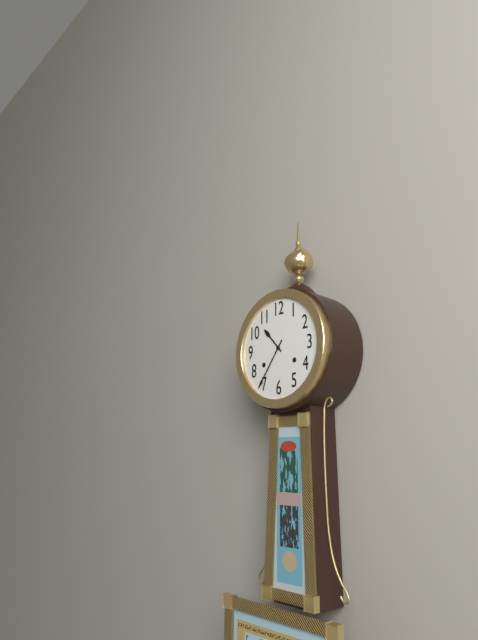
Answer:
10 h 36 min
